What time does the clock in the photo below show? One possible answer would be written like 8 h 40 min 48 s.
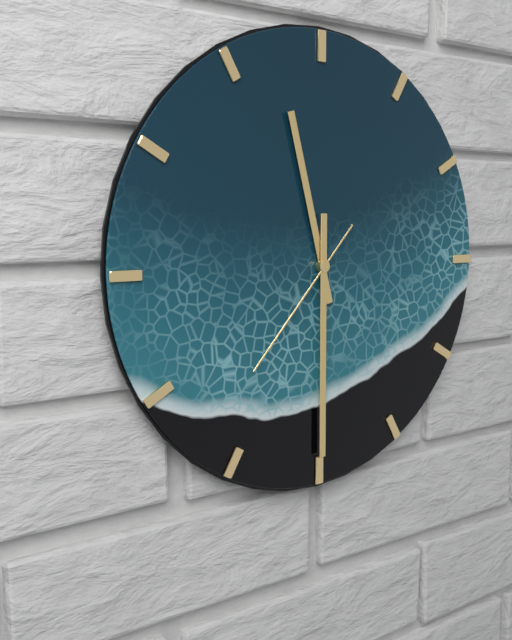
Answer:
11 h 30 min 37 s
